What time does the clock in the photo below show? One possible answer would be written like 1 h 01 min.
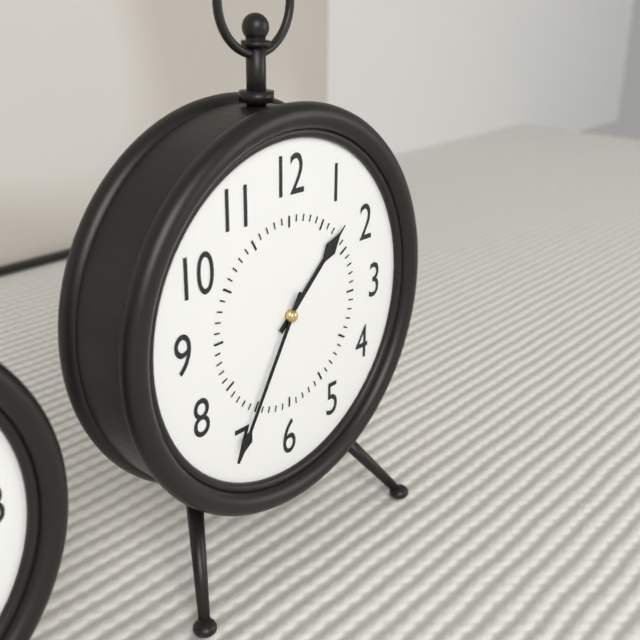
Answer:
1 h 35 min
